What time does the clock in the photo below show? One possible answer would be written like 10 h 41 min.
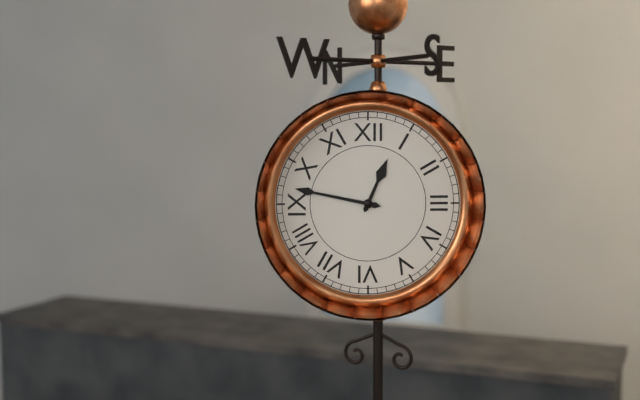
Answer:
12 h 47 min
